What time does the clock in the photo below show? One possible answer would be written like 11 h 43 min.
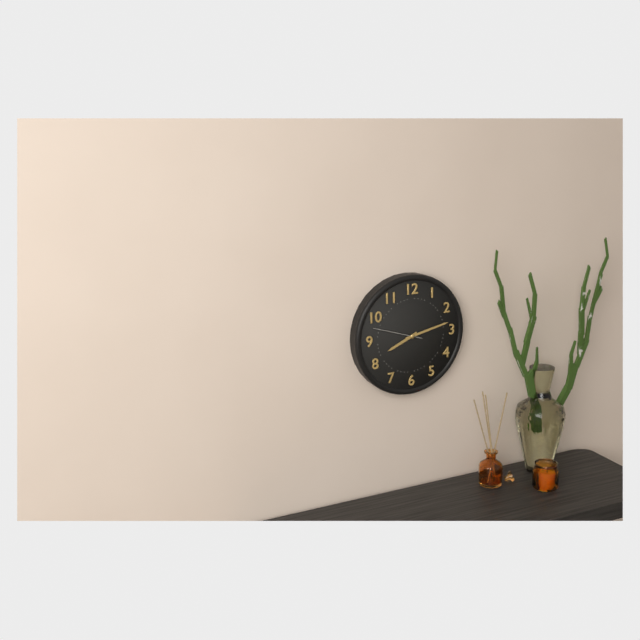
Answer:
8 h 13 min
